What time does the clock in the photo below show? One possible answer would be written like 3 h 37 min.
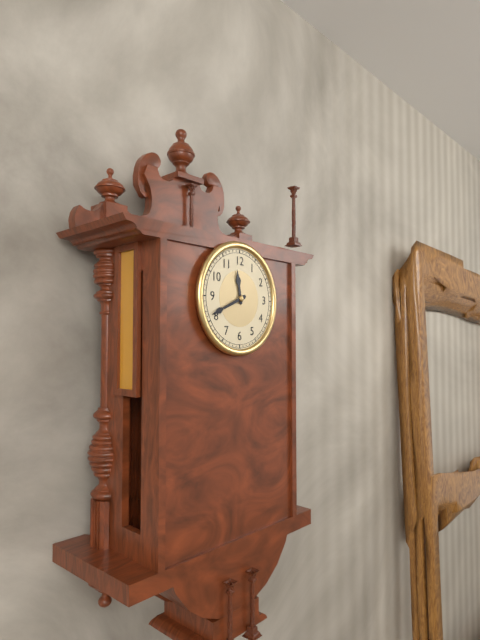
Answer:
11 h 41 min
